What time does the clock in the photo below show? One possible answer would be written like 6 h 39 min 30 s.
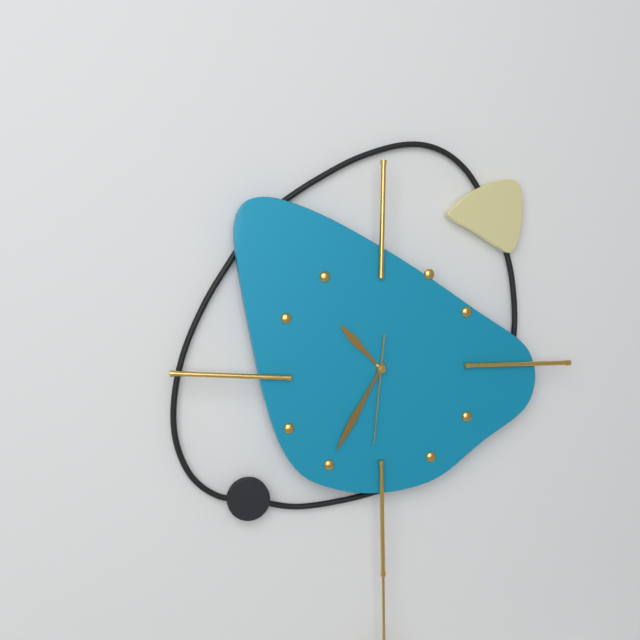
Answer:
10 h 35 min 31 s
